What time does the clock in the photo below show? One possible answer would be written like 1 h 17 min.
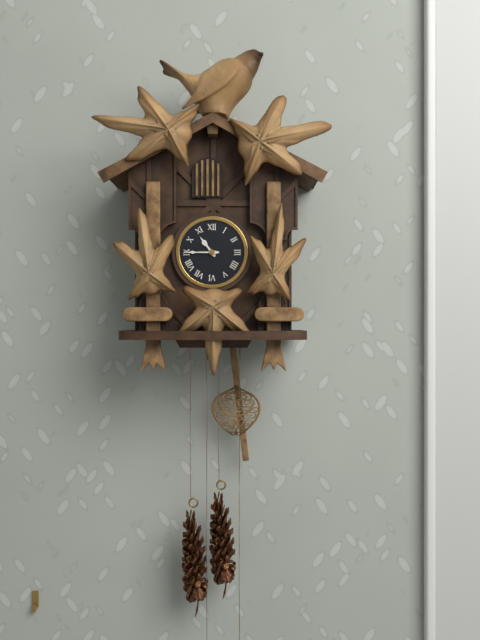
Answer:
10 h 45 min
